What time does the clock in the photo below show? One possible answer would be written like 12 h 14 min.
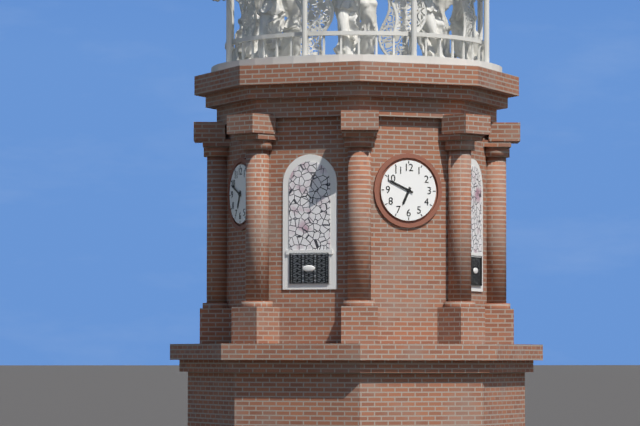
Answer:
6 h 49 min
